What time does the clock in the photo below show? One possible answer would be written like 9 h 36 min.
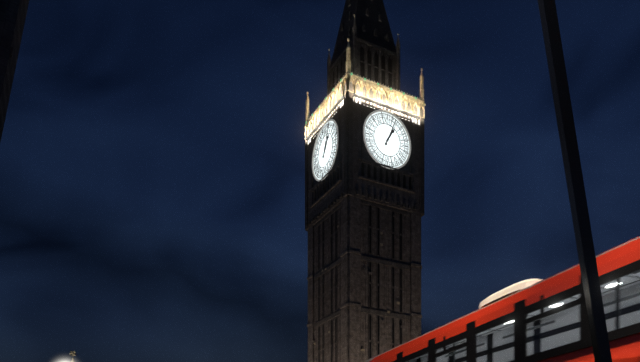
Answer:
1 h 04 min
